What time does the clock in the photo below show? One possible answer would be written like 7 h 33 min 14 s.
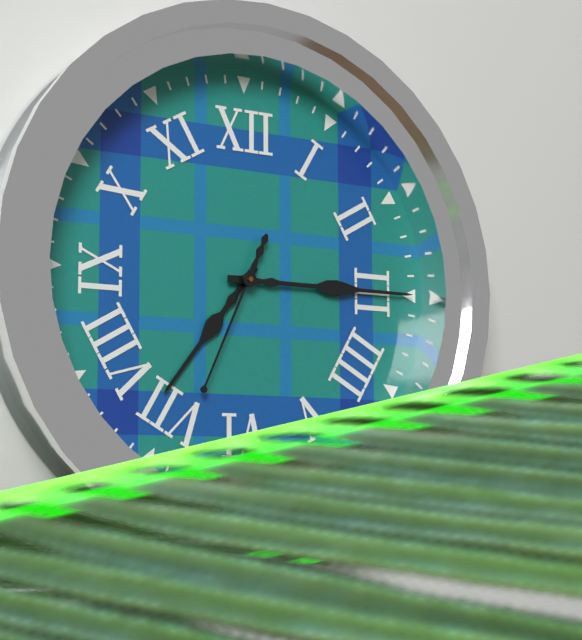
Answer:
7 h 15 min 34 s
